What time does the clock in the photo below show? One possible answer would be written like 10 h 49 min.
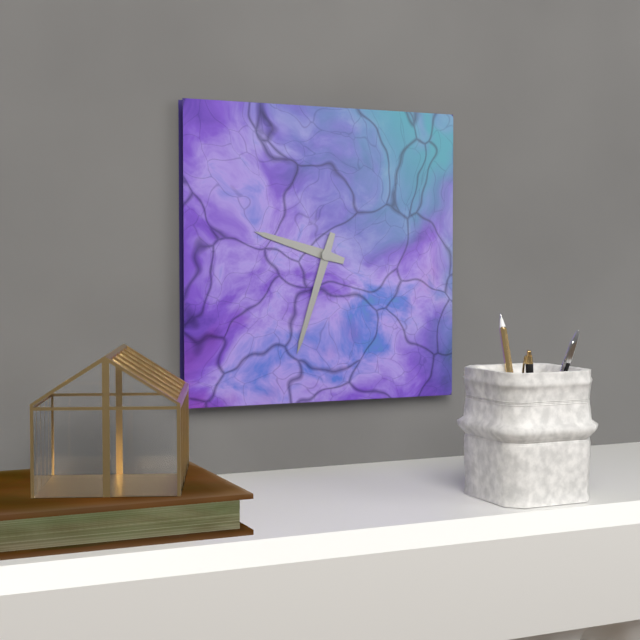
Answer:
9 h 33 min
